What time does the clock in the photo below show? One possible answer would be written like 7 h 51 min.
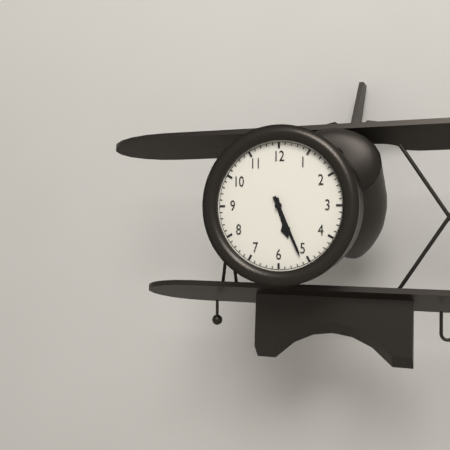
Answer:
5 h 26 min
